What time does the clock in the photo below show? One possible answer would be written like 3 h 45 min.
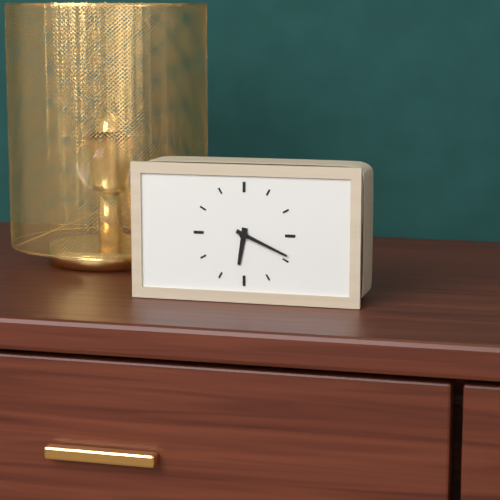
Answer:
6 h 19 min
